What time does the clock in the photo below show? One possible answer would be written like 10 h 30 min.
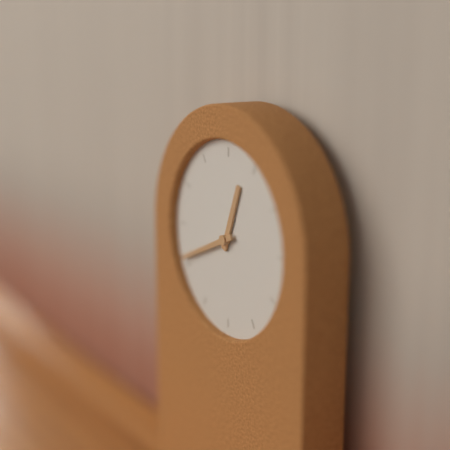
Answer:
12 h 41 min
